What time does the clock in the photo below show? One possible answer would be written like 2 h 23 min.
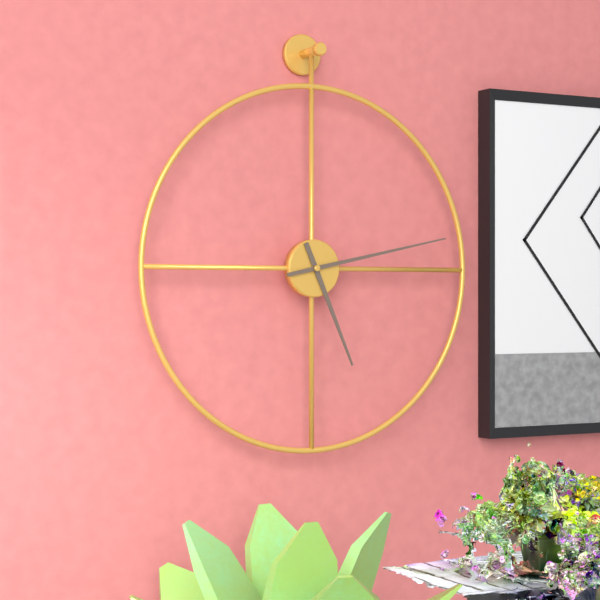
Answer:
5 h 13 min
